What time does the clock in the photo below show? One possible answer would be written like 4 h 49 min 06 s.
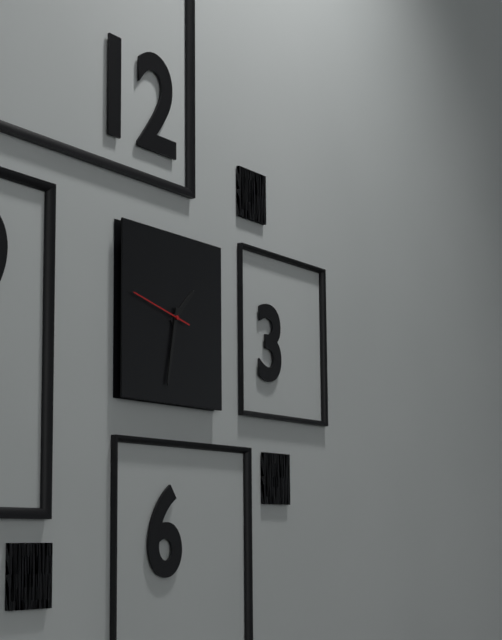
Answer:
1 h 32 min 47 s
